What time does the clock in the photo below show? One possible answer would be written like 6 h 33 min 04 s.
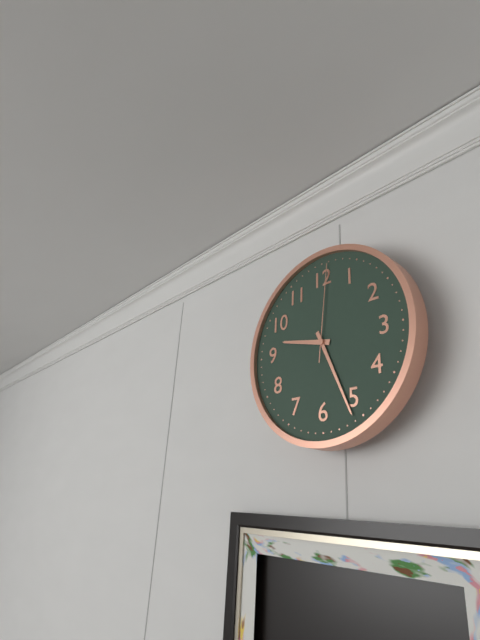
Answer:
9 h 26 min 01 s
